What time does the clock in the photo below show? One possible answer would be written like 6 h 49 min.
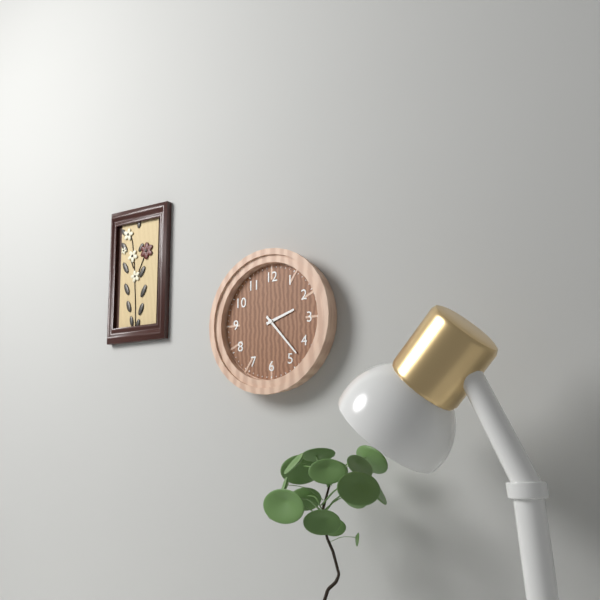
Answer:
2 h 23 min
